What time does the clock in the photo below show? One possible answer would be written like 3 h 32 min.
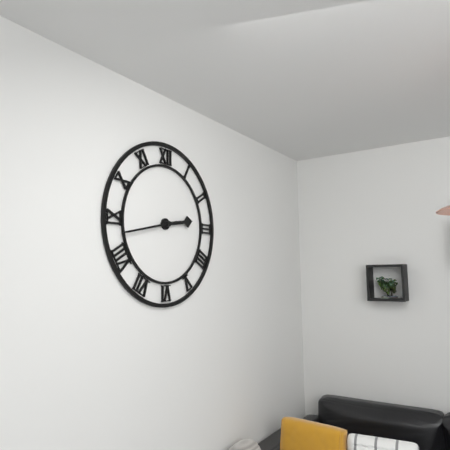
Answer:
2 h 43 min
